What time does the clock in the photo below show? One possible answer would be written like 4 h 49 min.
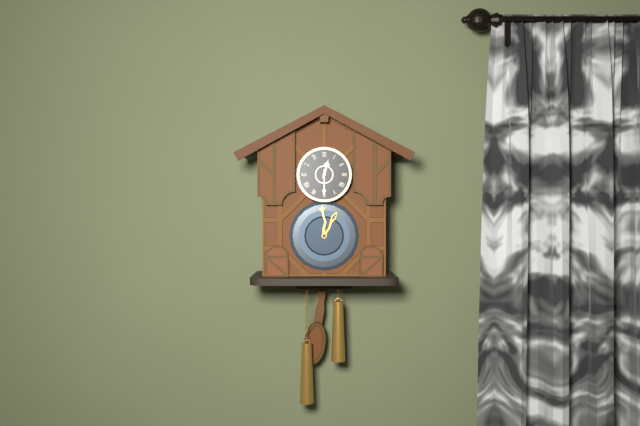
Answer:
12 h 30 min
